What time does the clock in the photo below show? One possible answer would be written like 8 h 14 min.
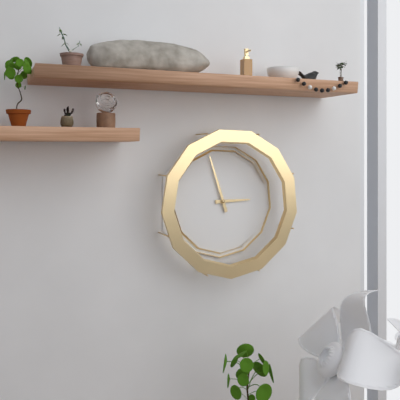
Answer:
2 h 57 min
